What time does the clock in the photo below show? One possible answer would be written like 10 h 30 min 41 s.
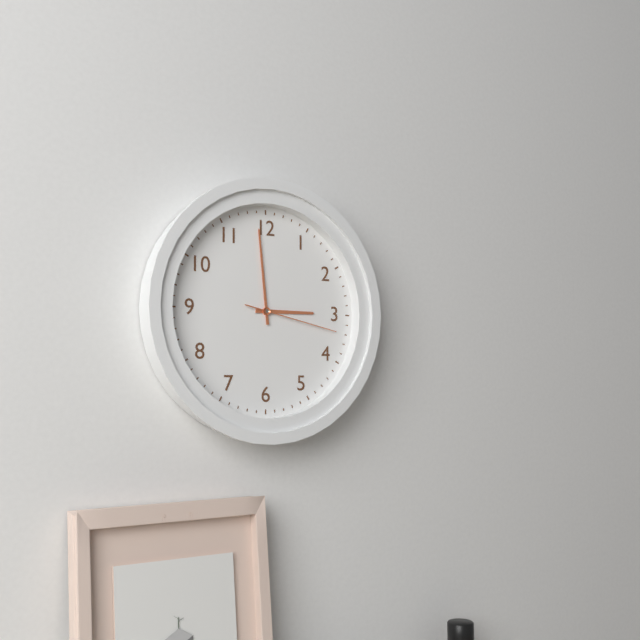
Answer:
2 h 59 min 17 s
